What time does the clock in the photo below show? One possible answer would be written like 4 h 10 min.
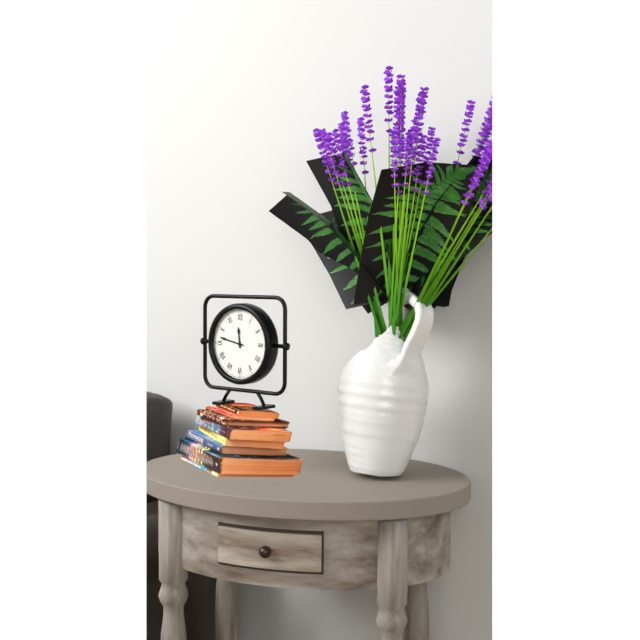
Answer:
11 h 47 min
